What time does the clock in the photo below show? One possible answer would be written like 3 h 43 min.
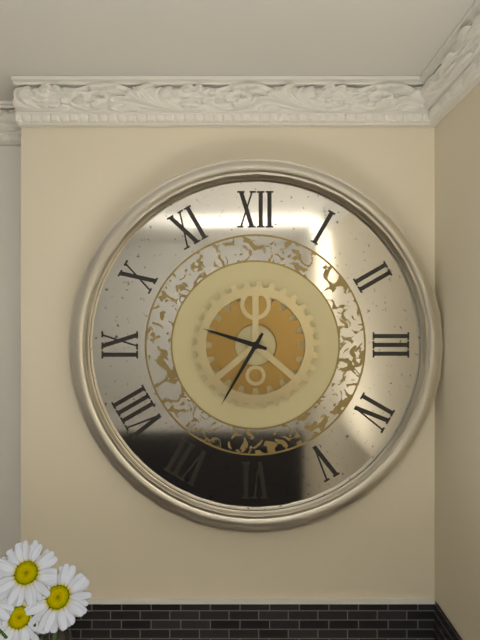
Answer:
9 h 35 min
